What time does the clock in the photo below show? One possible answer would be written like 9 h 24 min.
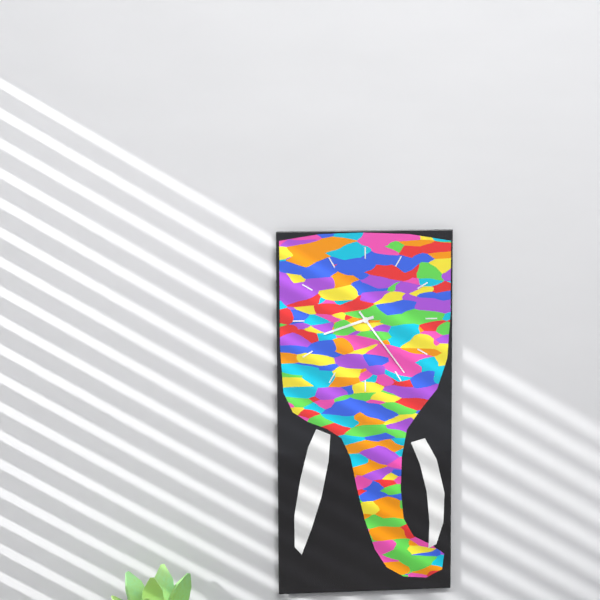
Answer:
8 h 24 min
